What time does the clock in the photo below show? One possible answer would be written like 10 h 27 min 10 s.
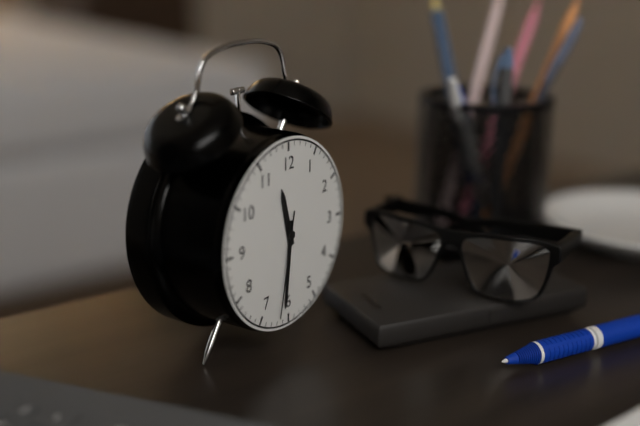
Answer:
11 h 31 min 32 s
